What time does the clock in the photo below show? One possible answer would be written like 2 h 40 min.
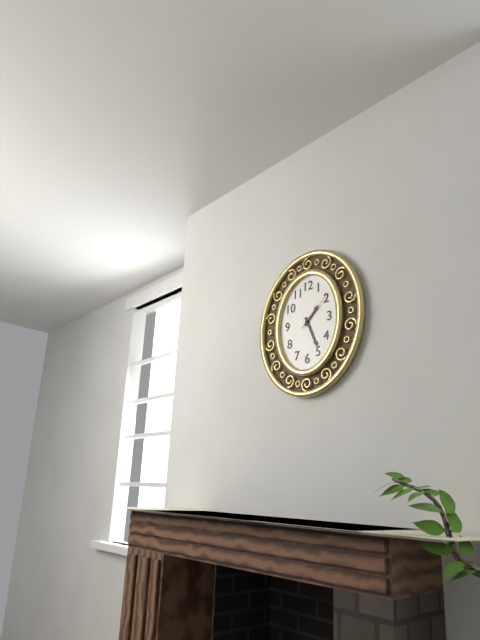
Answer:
1 h 26 min
